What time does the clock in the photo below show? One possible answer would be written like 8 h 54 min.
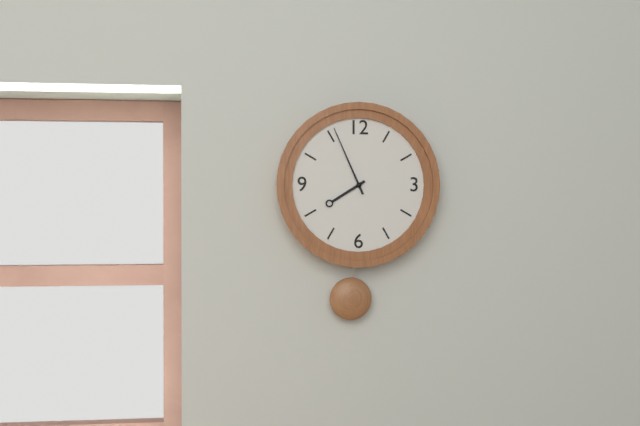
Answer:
7 h 56 min
